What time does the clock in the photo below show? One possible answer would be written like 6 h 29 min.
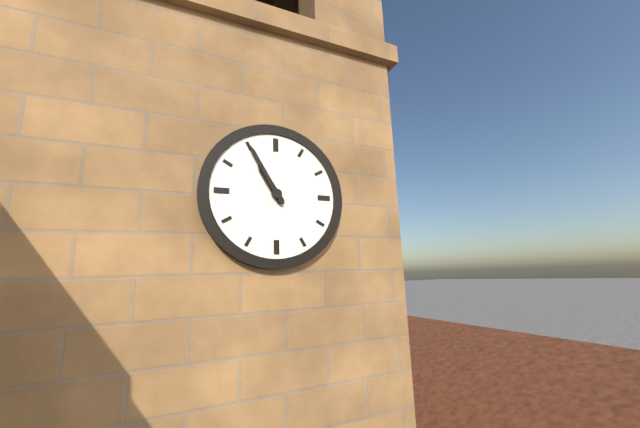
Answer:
10 h 55 min
